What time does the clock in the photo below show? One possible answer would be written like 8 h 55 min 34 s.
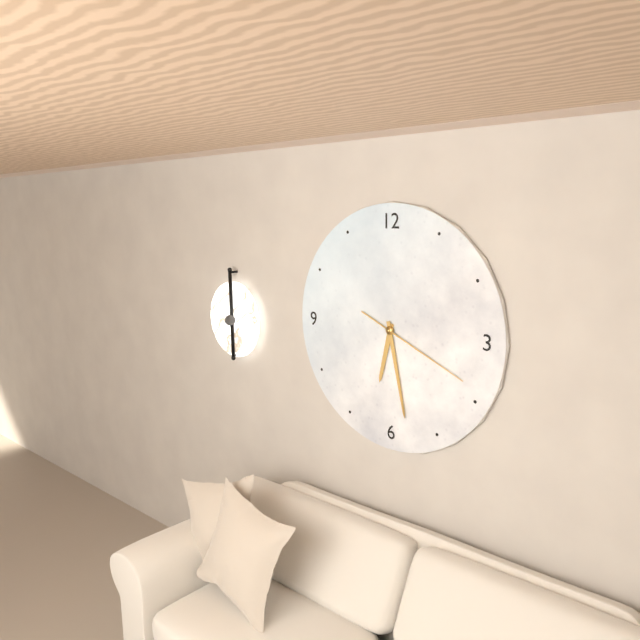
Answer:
6 h 28 min 19 s
